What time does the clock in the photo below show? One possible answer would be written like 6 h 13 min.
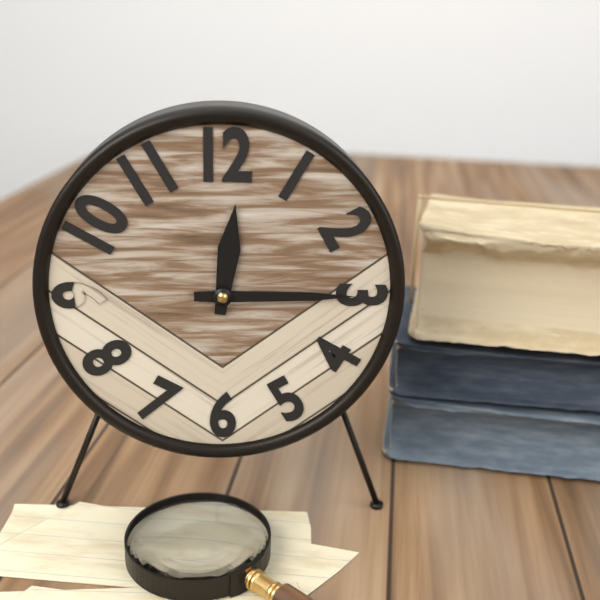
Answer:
12 h 15 min
